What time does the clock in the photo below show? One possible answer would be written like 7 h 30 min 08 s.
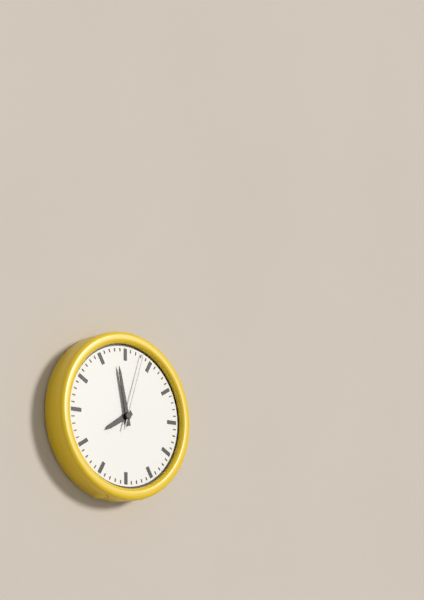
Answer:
7 h 58 min 03 s
